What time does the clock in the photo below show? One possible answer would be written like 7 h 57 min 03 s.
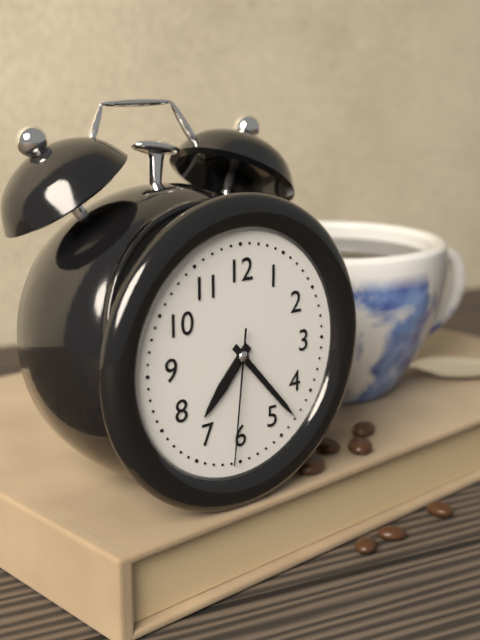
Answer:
7 h 23 min 31 s
